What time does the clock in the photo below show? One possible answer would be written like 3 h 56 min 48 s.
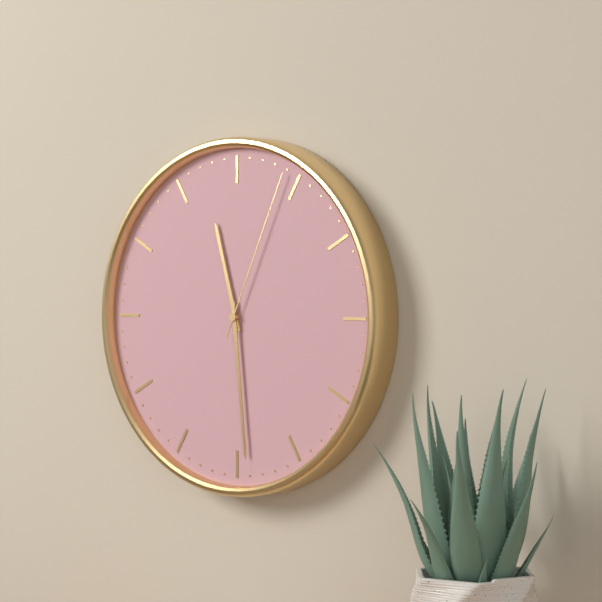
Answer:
11 h 29 min 04 s
